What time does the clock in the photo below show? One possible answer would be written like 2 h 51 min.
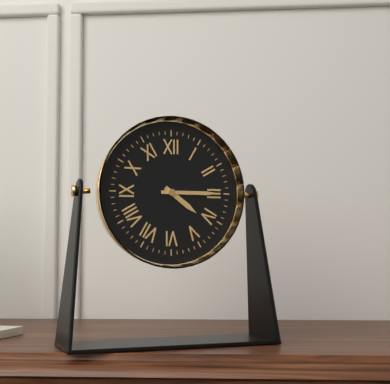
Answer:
4 h 15 min
